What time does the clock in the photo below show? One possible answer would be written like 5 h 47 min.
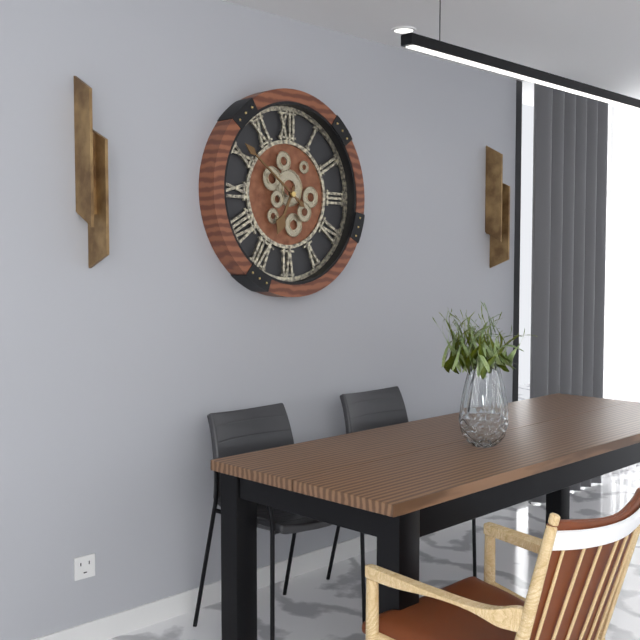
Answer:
6 h 51 min
